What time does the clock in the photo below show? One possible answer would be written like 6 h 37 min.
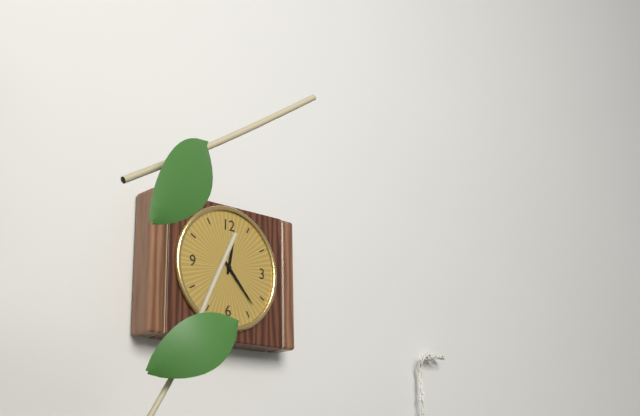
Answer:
12 h 23 min
